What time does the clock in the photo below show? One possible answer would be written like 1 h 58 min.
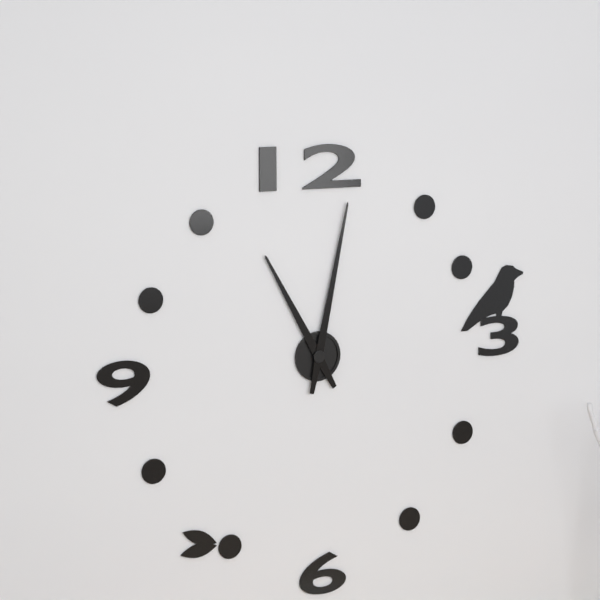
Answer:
11 h 02 min
